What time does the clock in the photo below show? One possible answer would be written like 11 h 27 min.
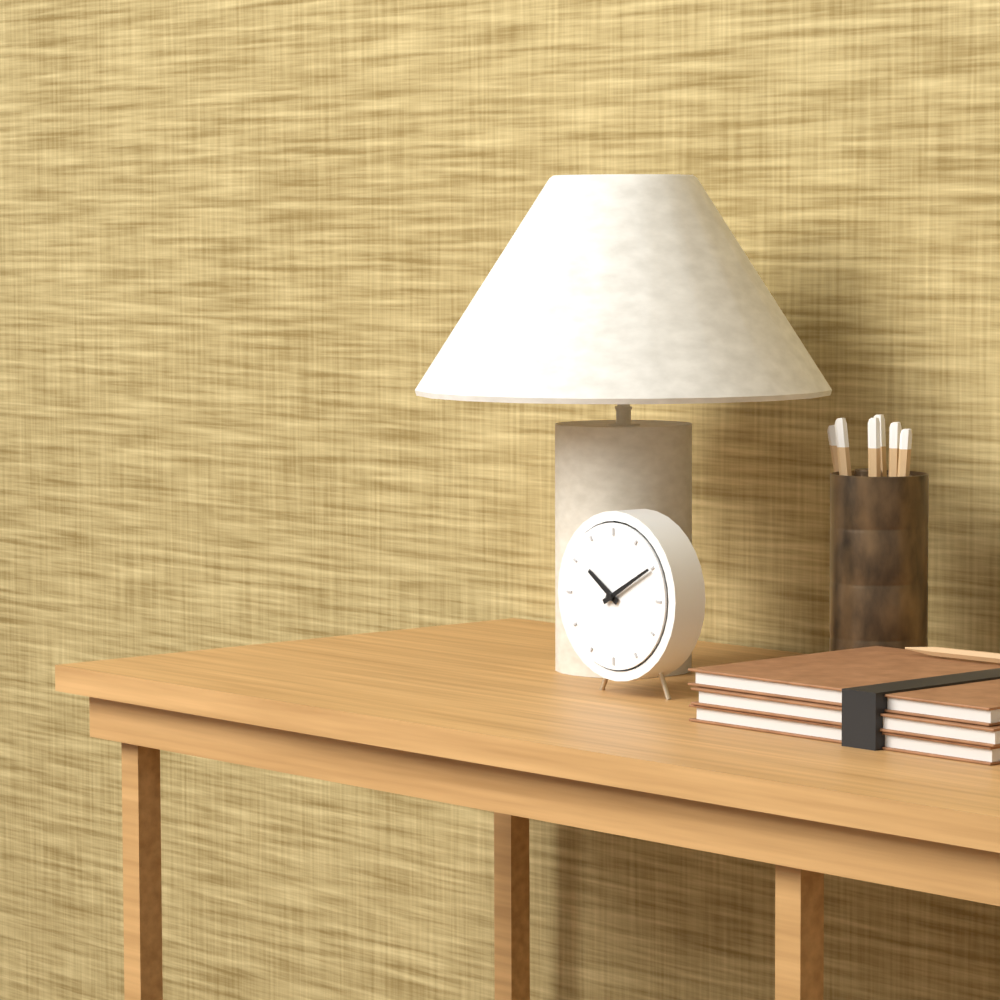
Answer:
10 h 10 min
